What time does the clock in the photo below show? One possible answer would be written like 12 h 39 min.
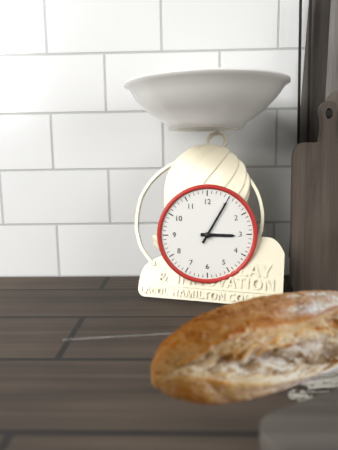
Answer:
3 h 05 min
